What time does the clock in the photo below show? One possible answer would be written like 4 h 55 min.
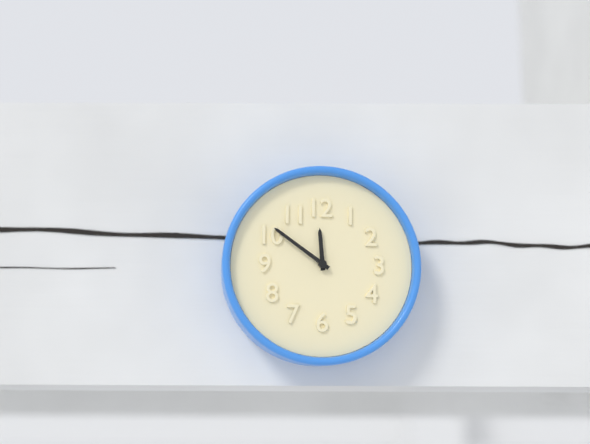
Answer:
11 h 51 min
